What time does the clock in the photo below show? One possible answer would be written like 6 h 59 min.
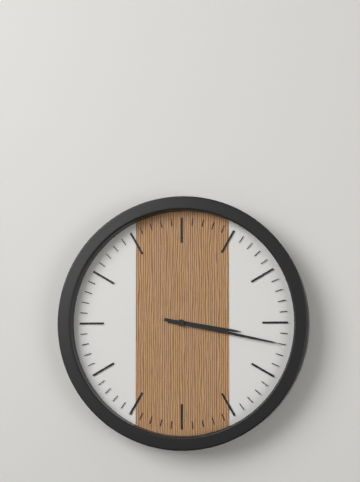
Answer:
3 h 17 min
